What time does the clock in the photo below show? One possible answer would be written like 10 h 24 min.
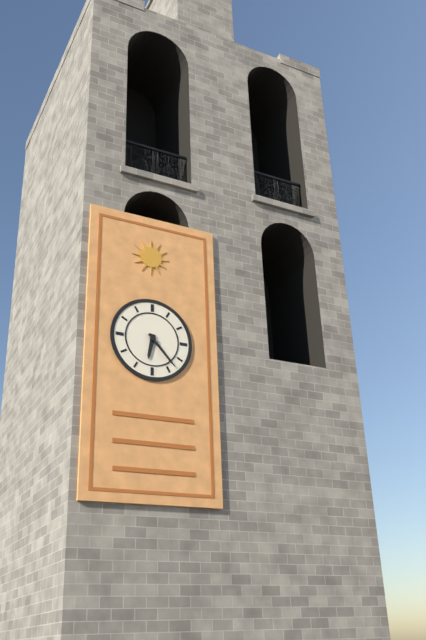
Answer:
6 h 23 min
